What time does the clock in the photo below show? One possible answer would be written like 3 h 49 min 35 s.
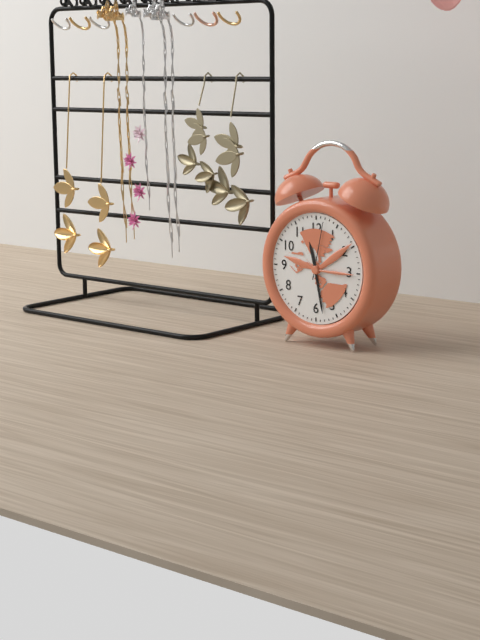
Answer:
11 h 28 min 02 s
